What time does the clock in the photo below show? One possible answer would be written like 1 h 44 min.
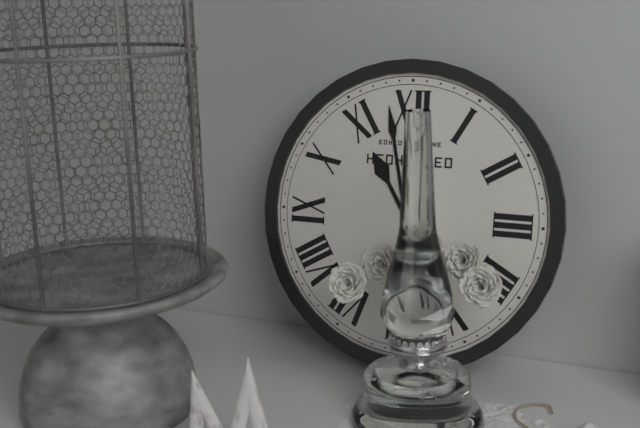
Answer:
10 h 58 min
